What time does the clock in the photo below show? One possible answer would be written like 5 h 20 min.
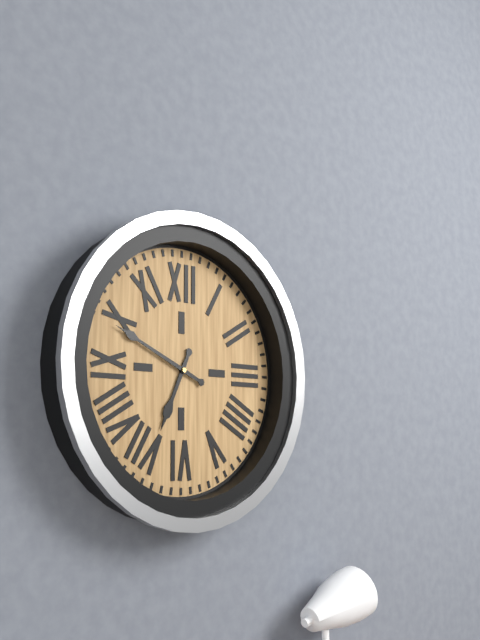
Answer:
6 h 49 min
